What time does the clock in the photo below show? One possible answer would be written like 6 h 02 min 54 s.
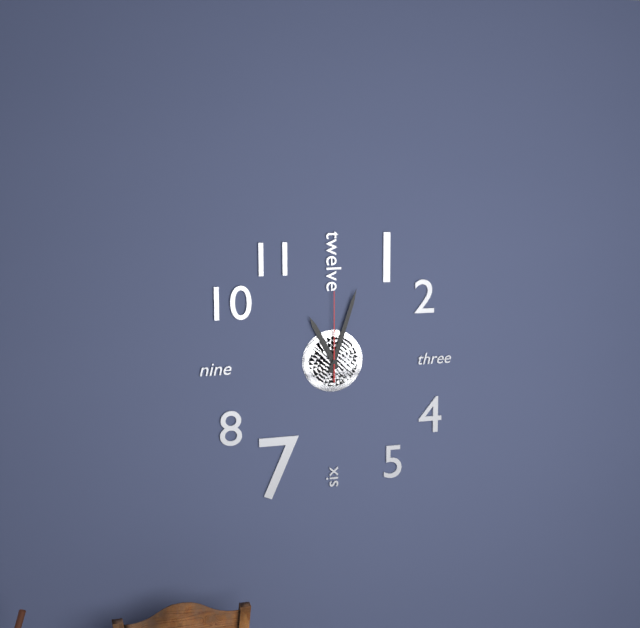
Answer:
11 h 03 min 00 s
